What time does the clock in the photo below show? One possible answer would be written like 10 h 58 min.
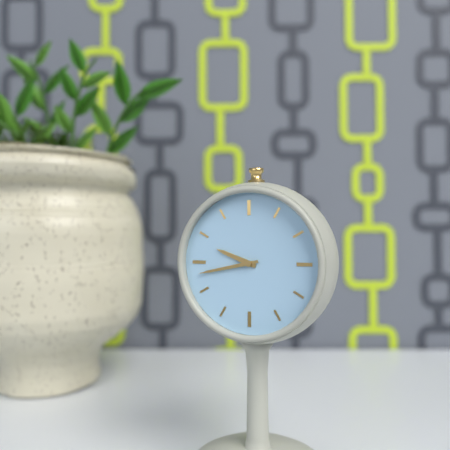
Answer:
9 h 43 min
